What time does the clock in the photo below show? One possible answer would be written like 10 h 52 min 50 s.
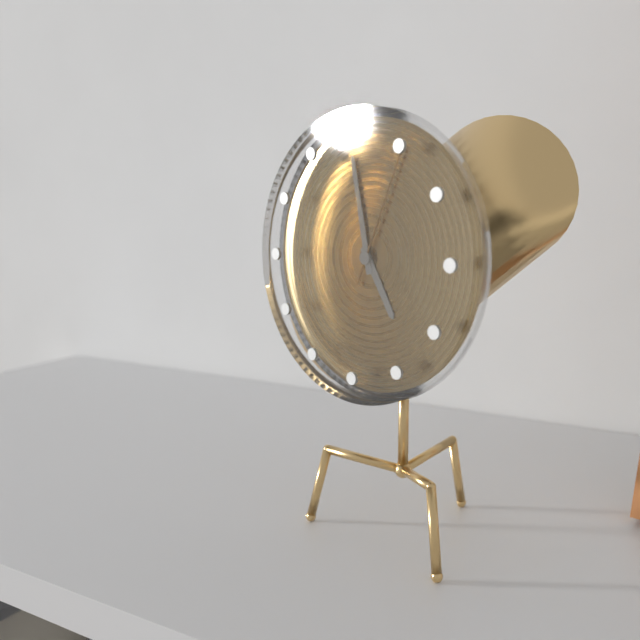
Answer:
4 h 58 min 04 s
